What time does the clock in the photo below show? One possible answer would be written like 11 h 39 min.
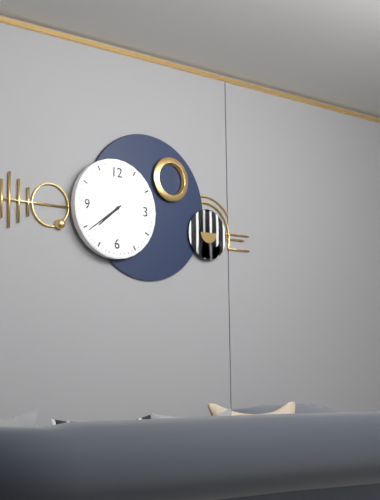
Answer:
7 h 39 min
